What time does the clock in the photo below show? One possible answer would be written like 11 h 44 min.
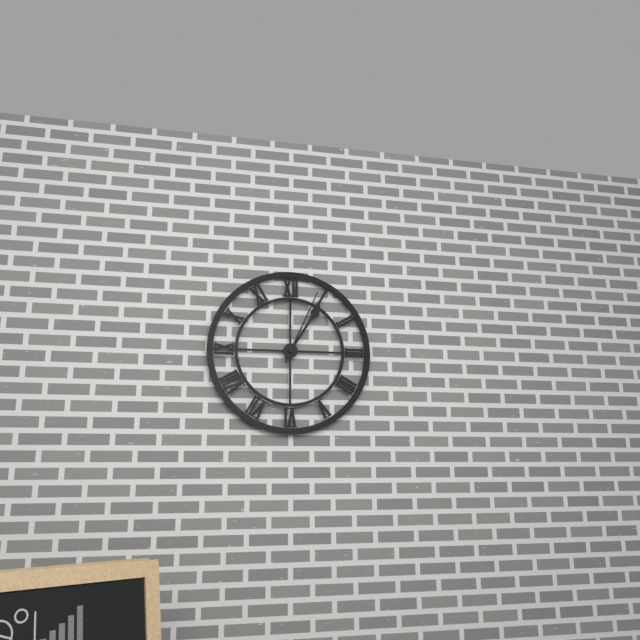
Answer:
1 h 04 min
